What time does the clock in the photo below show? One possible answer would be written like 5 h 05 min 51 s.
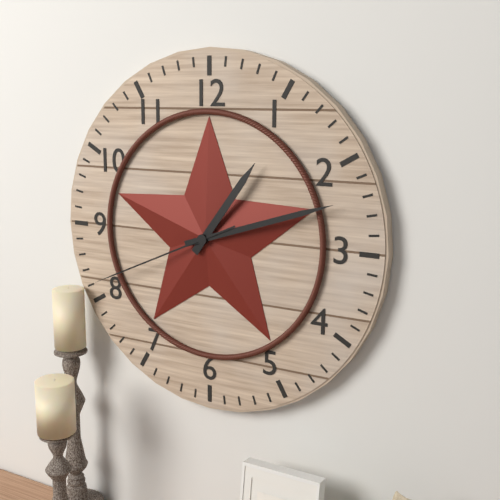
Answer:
1 h 12 min 41 s
